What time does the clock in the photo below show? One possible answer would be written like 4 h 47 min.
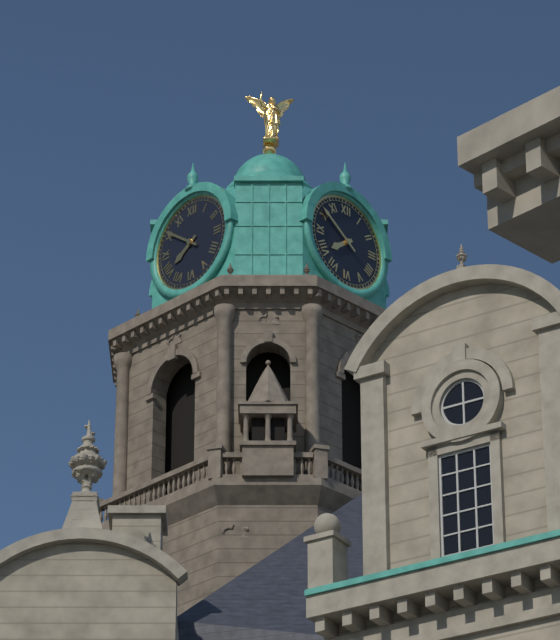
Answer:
7 h 51 min
